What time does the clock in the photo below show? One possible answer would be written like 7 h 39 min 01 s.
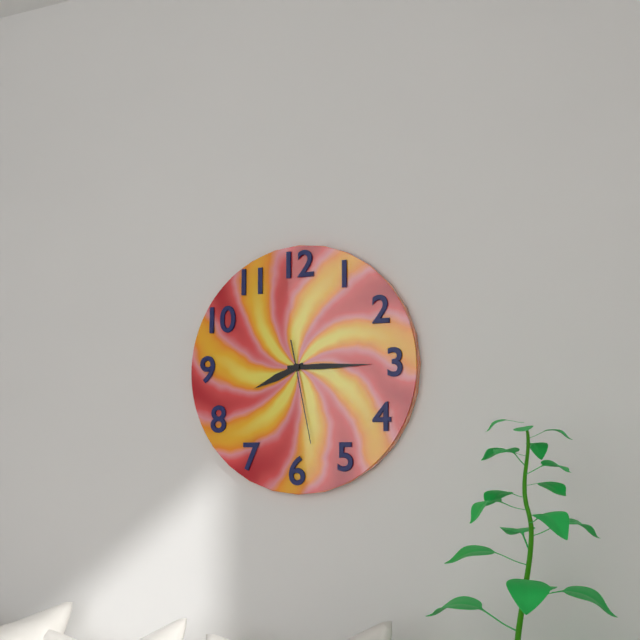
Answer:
8 h 15 min 28 s
